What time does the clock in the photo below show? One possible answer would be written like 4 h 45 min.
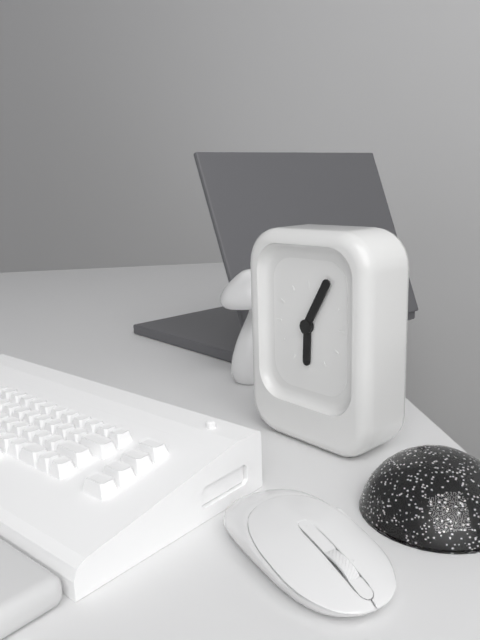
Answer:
6 h 05 min
